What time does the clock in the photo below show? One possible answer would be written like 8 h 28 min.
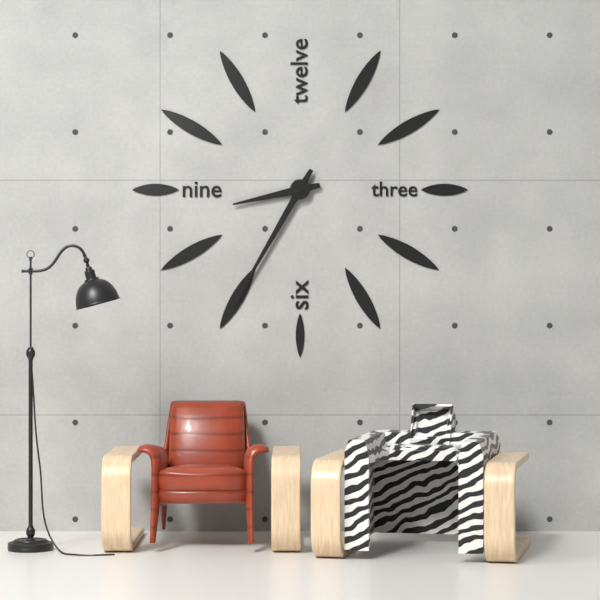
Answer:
8 h 35 min
